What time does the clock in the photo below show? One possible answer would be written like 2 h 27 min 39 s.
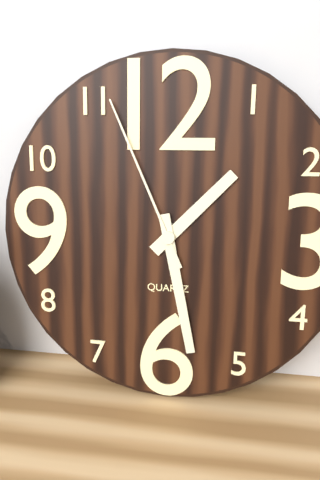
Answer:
1 h 28 min 56 s
